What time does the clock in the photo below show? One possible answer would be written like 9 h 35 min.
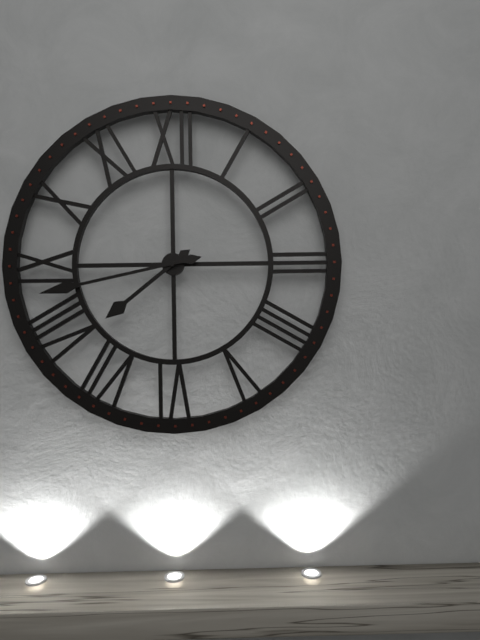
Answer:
7 h 43 min
